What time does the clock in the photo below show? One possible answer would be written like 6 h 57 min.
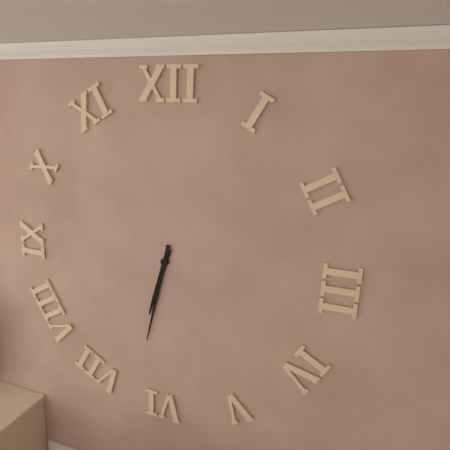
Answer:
6 h 32 min
